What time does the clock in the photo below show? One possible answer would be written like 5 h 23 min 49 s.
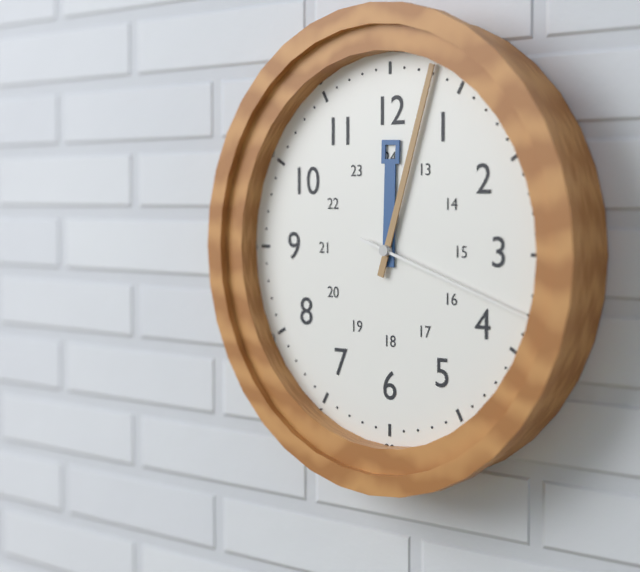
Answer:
12 h 03 min 18 s
